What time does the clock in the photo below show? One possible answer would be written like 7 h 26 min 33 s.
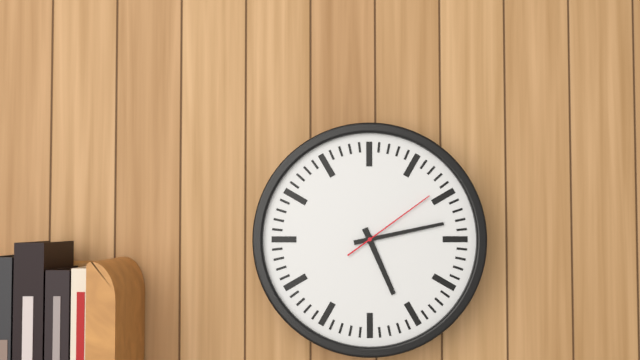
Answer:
5 h 13 min 09 s
